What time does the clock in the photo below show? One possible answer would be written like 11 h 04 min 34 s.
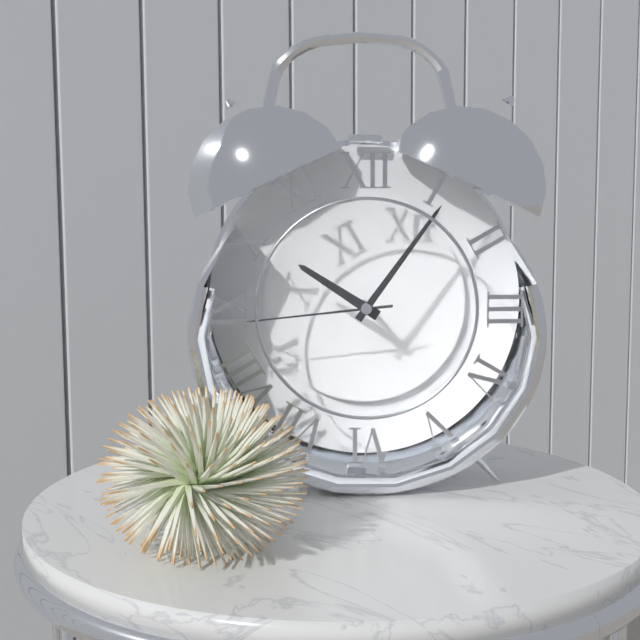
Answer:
10 h 06 min 44 s
